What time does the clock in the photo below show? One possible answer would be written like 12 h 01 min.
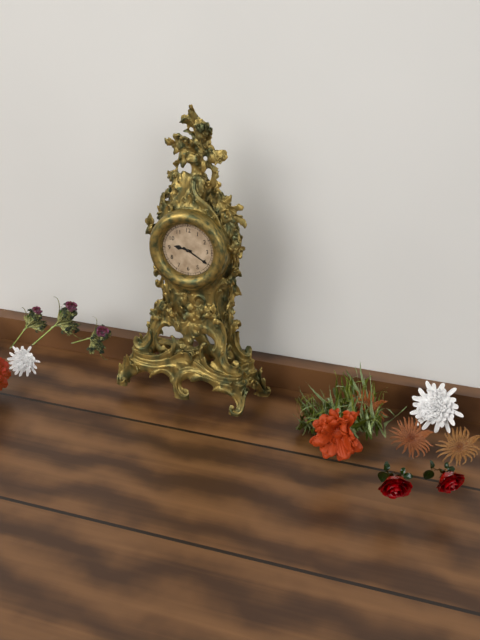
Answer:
9 h 20 min
